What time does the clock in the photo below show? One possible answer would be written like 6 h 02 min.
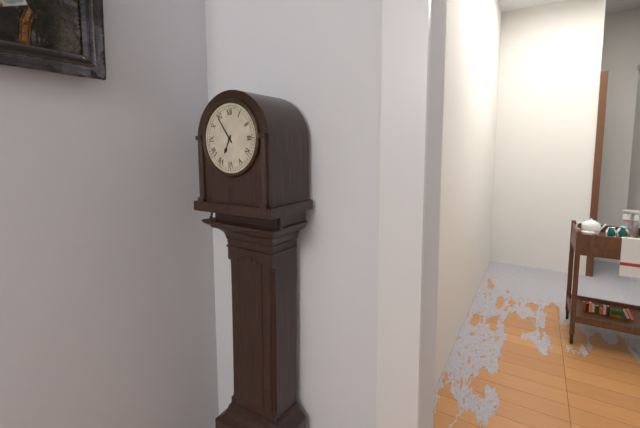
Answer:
6 h 54 min
